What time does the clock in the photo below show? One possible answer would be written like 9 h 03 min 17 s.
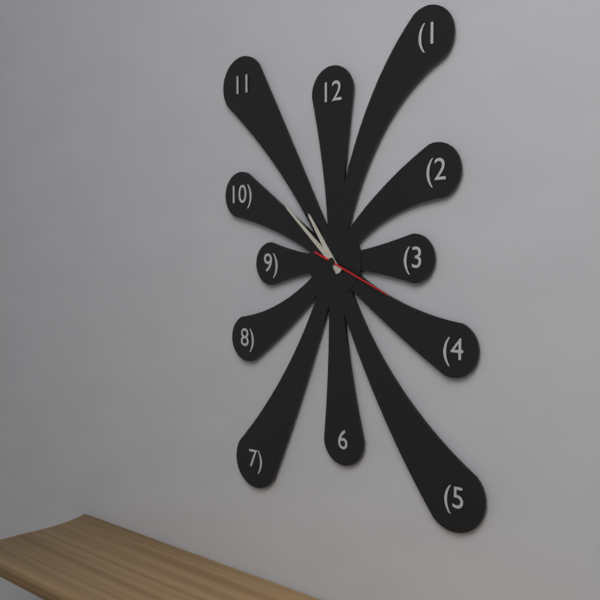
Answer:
10 h 52 min 19 s
